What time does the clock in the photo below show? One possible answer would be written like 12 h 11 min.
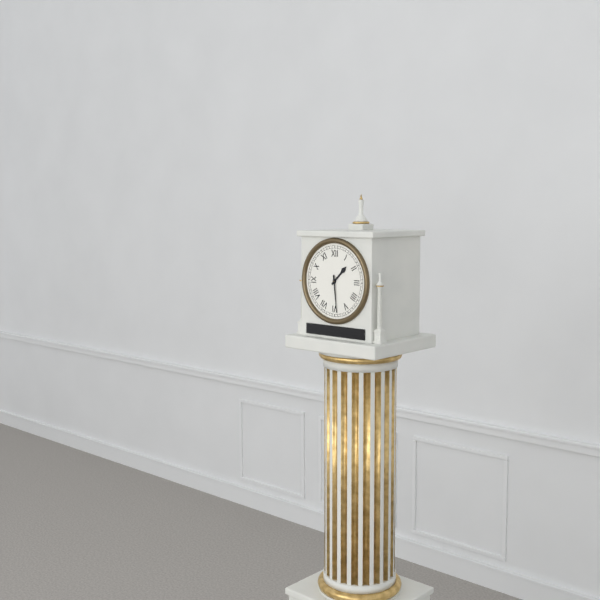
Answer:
1 h 29 min
